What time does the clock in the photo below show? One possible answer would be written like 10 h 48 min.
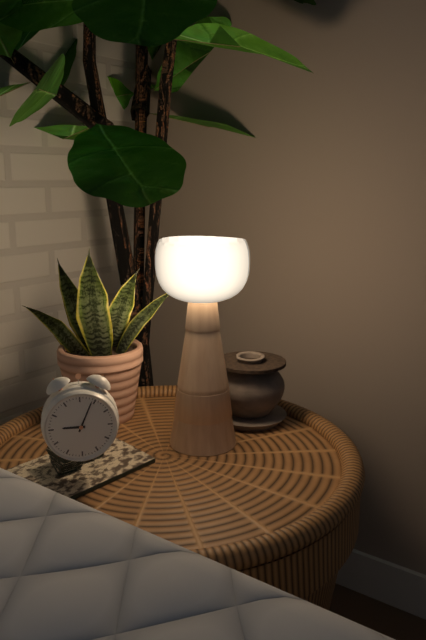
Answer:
9 h 04 min
